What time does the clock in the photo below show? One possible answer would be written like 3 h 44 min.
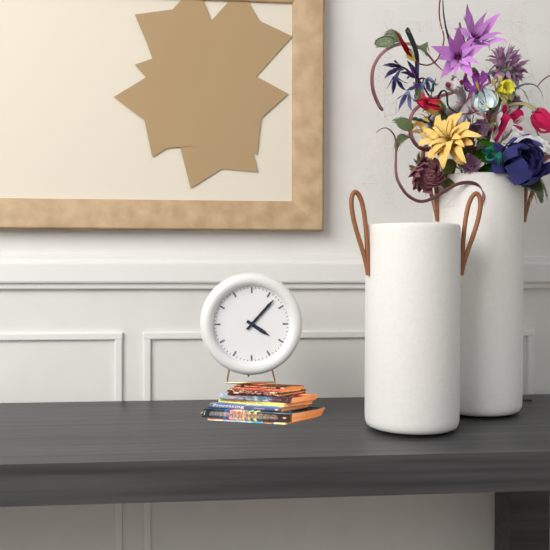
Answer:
4 h 07 min
